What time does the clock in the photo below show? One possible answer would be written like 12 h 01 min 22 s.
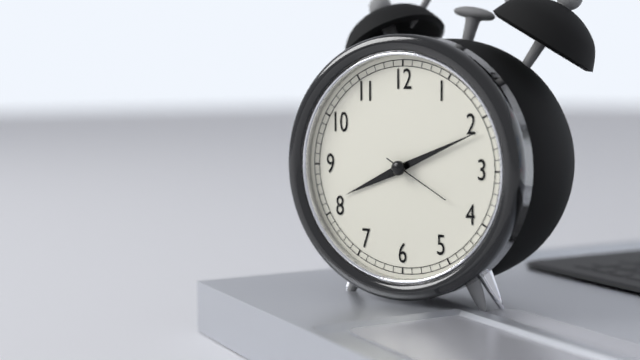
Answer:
8 h 11 min 20 s
